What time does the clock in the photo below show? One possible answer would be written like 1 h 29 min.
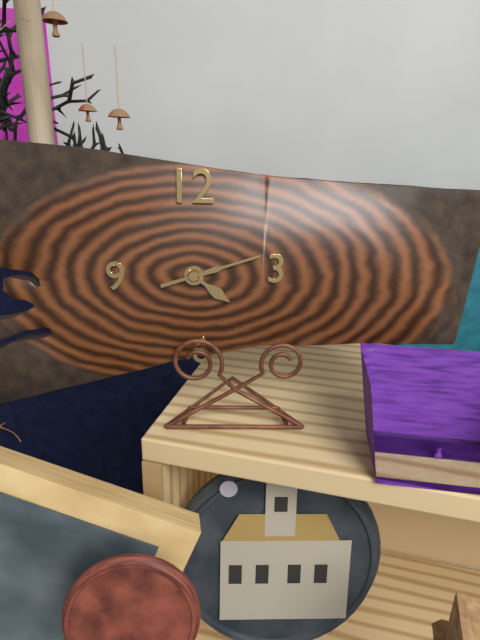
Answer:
4 h 12 min
